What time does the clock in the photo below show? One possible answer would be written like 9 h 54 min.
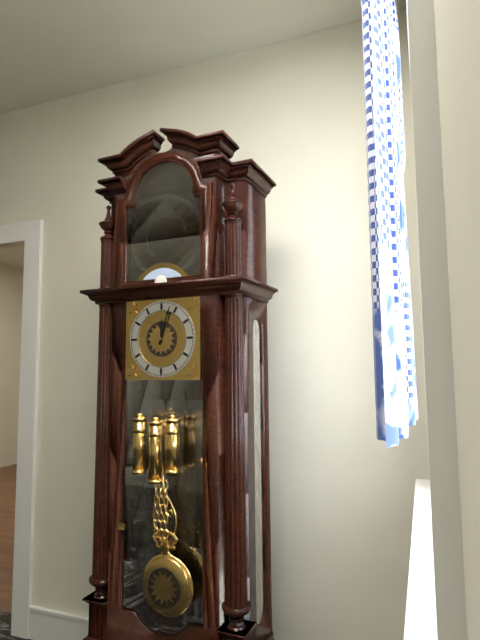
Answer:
12 h 03 min
